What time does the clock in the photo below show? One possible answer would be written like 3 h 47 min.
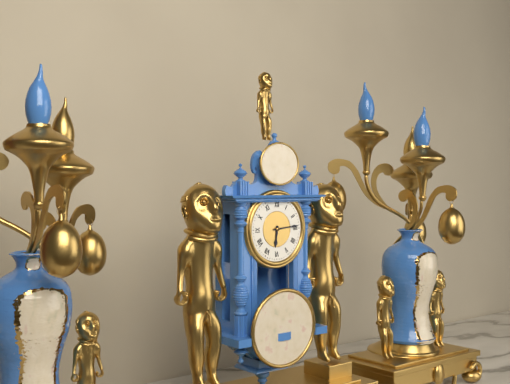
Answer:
6 h 14 min
